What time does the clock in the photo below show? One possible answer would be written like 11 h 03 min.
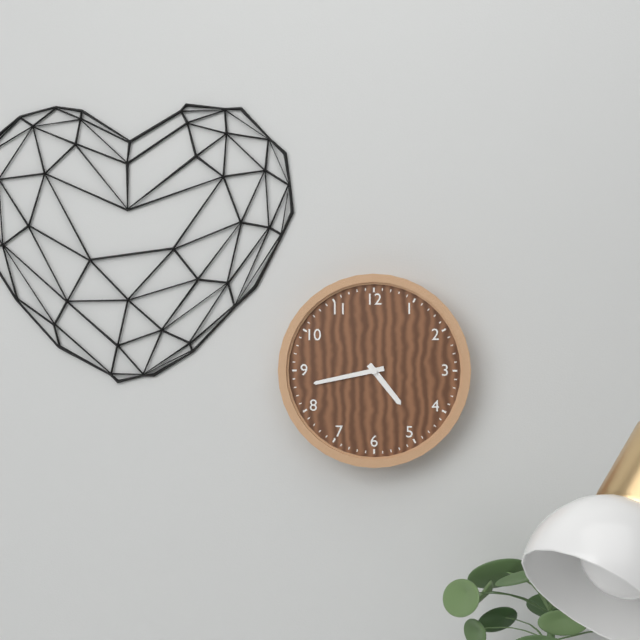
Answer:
4 h 43 min
